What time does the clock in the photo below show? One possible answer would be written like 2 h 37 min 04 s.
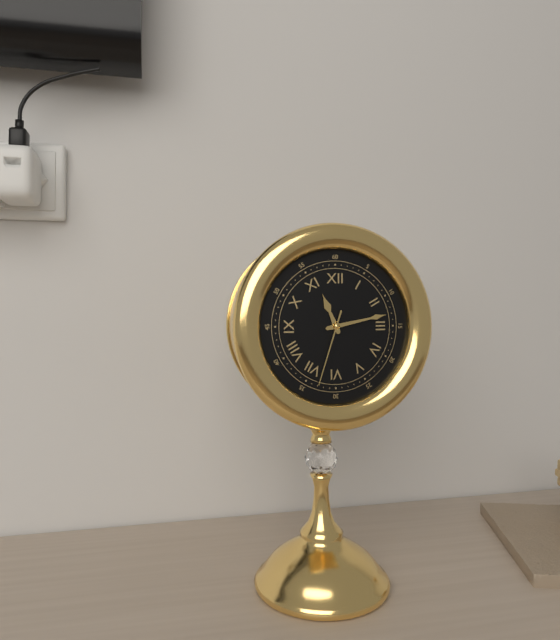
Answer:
11 h 13 min 33 s
